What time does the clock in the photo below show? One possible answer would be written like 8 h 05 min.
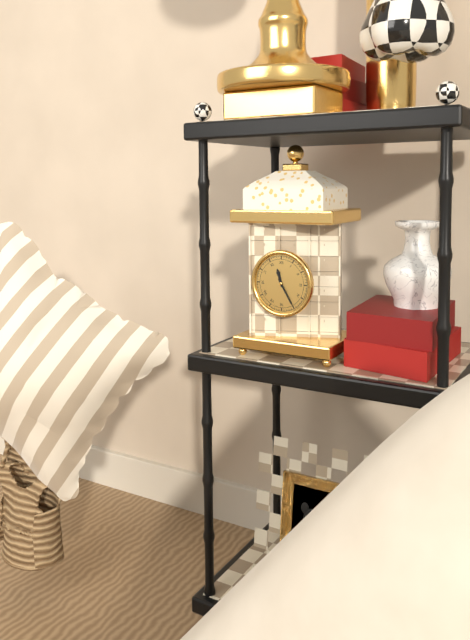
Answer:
11 h 25 min
